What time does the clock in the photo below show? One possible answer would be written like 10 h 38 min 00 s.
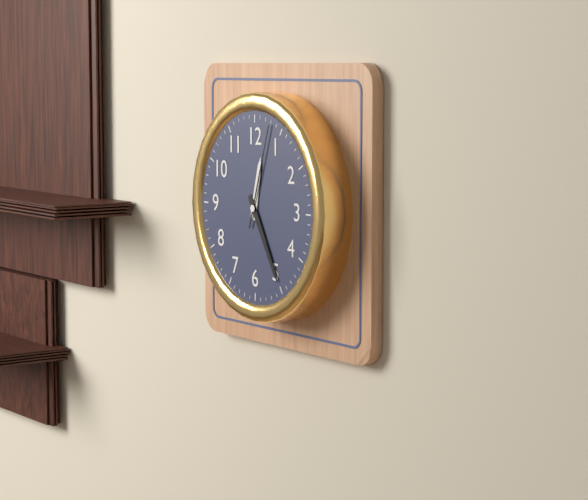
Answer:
12 h 25 min 03 s
